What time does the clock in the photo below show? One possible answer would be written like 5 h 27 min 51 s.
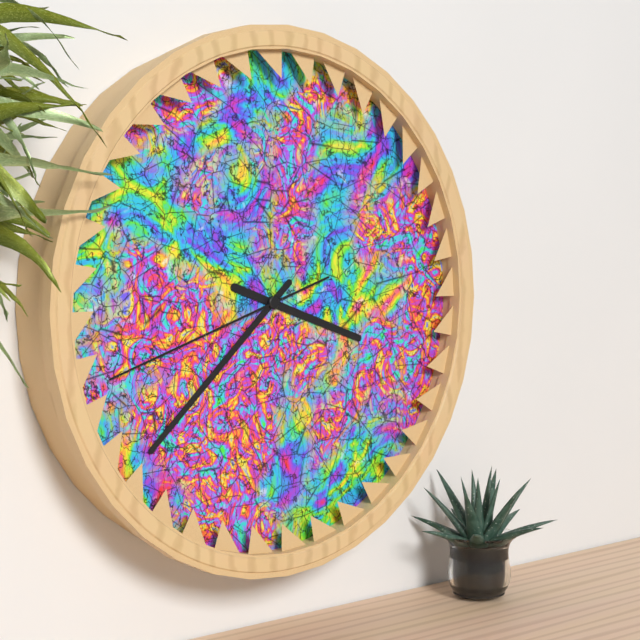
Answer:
3 h 38 min 42 s
